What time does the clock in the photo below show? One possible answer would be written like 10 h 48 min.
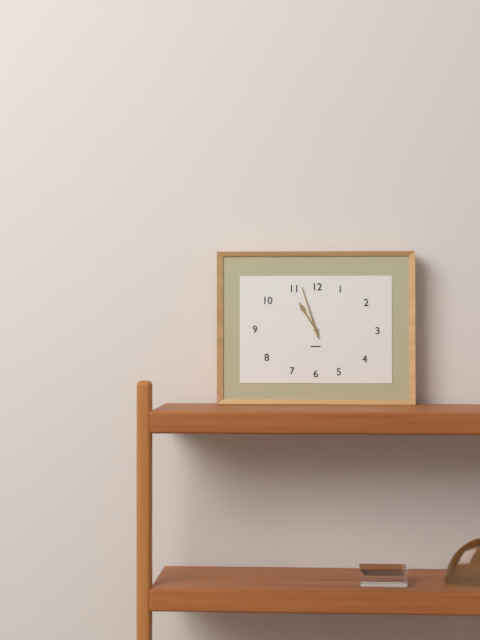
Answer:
10 h 57 min
